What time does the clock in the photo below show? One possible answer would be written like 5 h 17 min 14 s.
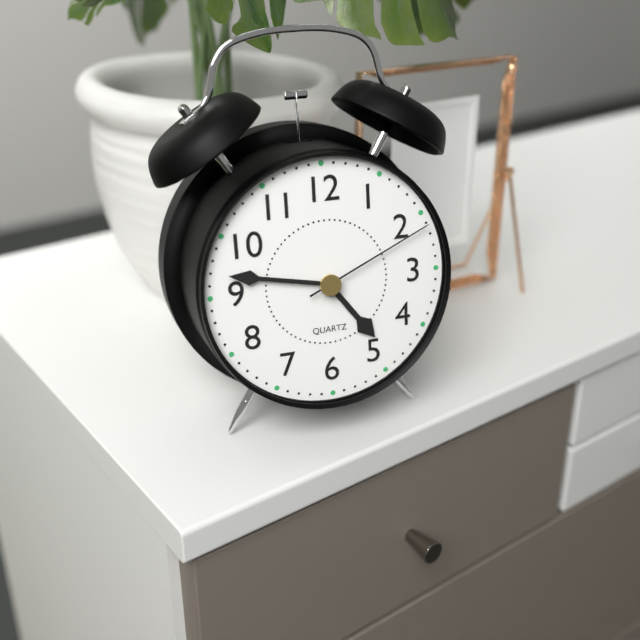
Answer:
4 h 47 min 11 s
